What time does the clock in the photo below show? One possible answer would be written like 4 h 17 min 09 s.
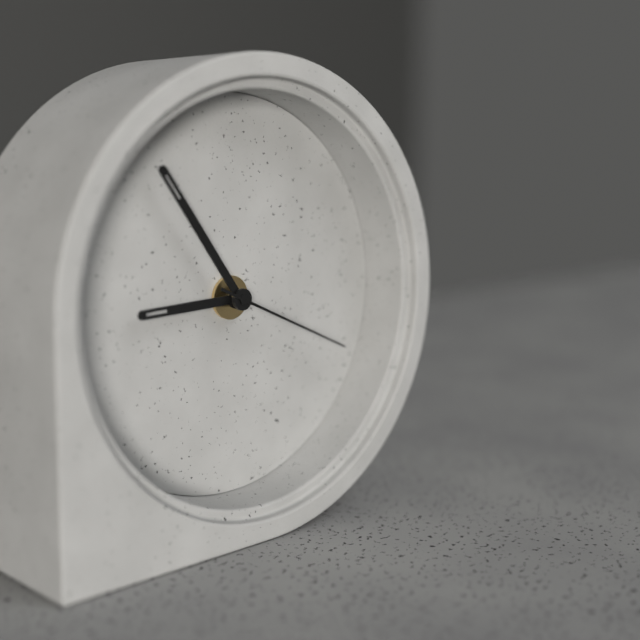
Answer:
8 h 54 min 19 s
